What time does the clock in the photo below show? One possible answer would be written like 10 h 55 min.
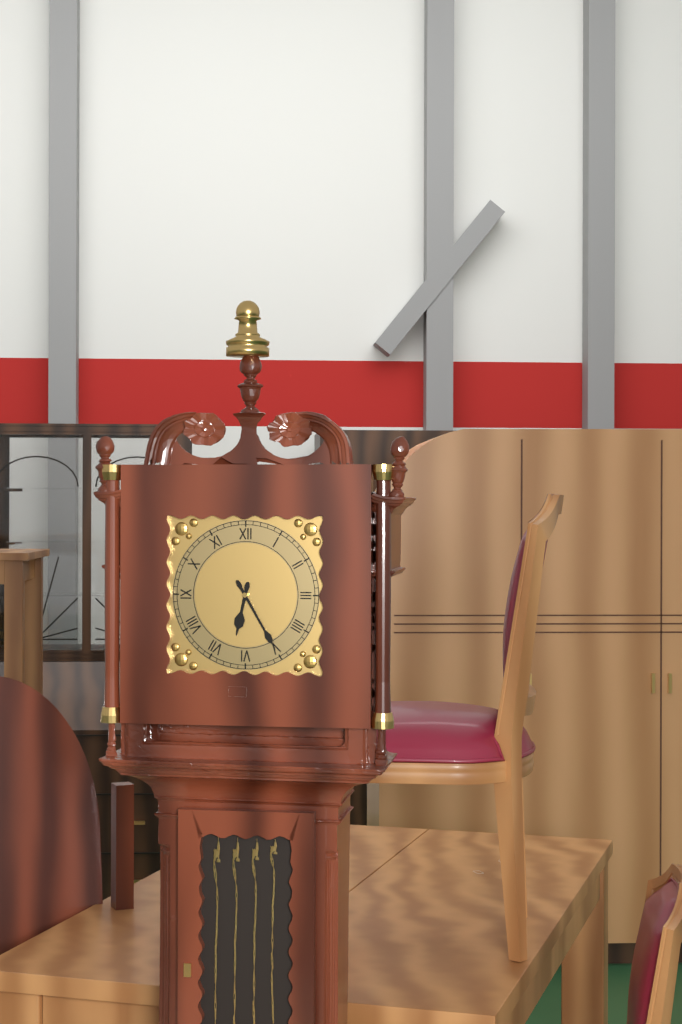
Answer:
6 h 25 min
